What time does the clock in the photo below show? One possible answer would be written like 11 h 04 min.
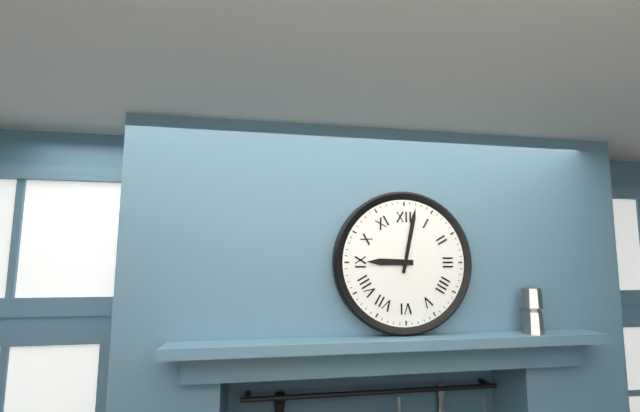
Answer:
9 h 02 min
